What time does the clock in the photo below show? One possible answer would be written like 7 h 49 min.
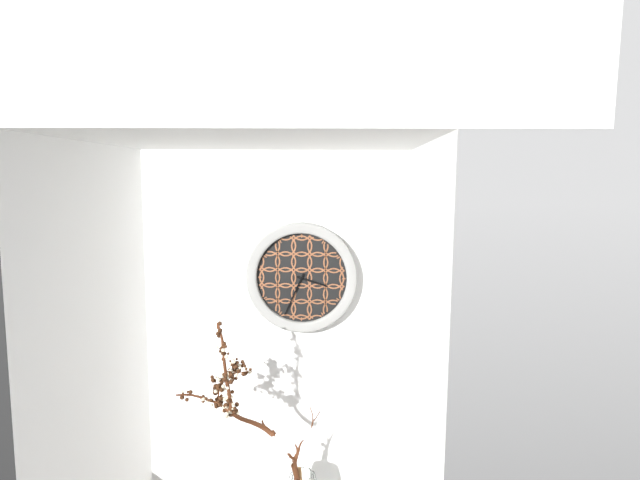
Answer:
3 h 34 min
